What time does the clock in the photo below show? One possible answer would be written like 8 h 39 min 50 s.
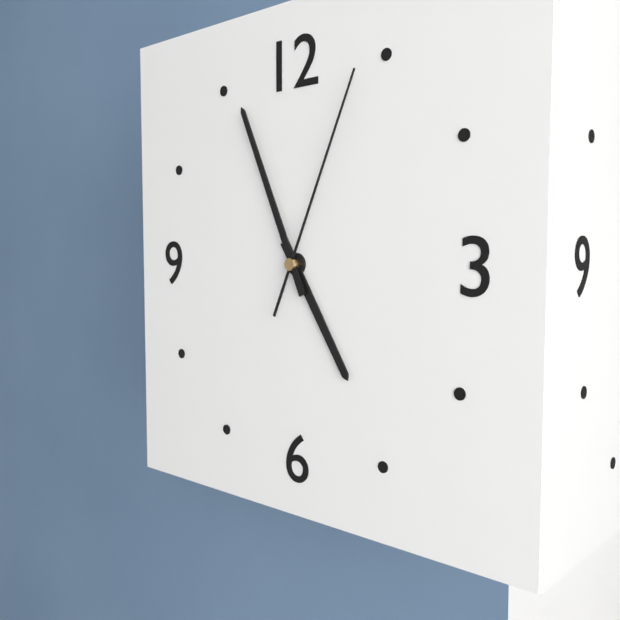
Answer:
4 h 56 min 04 s
